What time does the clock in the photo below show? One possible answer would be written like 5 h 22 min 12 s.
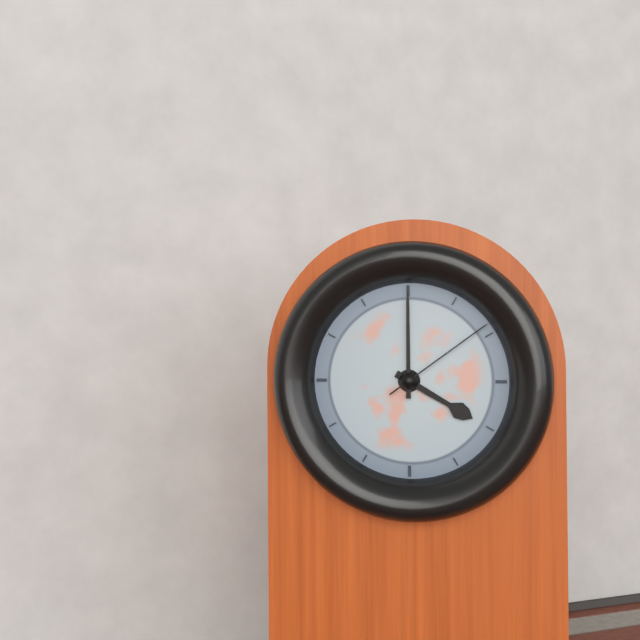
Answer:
4 h 00 min 09 s
